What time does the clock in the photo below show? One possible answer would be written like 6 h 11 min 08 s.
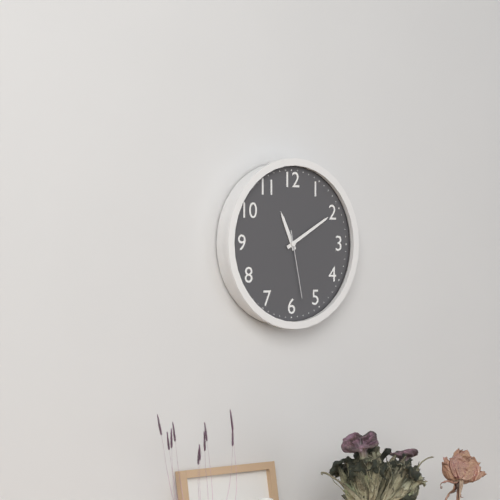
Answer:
11 h 10 min 28 s
